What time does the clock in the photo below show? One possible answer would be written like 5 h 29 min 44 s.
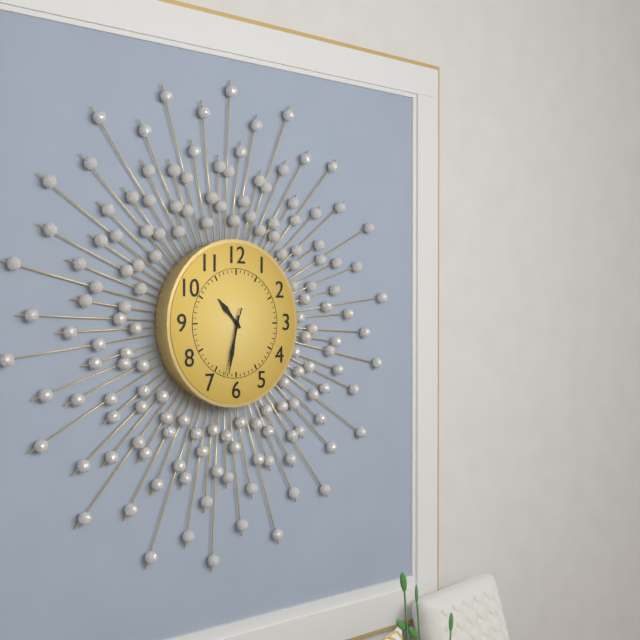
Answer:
10 h 32 min 33 s
